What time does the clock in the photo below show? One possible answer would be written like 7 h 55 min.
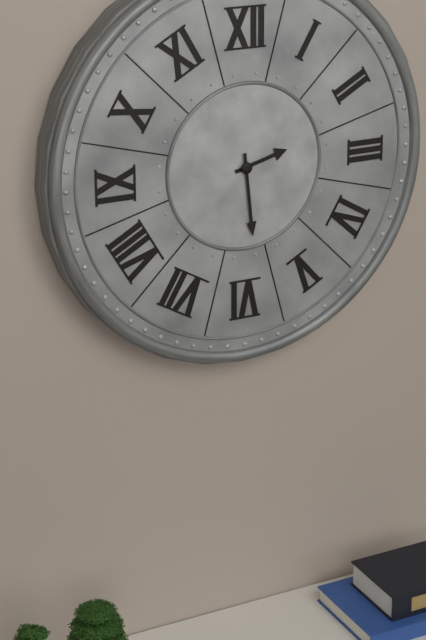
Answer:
2 h 29 min
